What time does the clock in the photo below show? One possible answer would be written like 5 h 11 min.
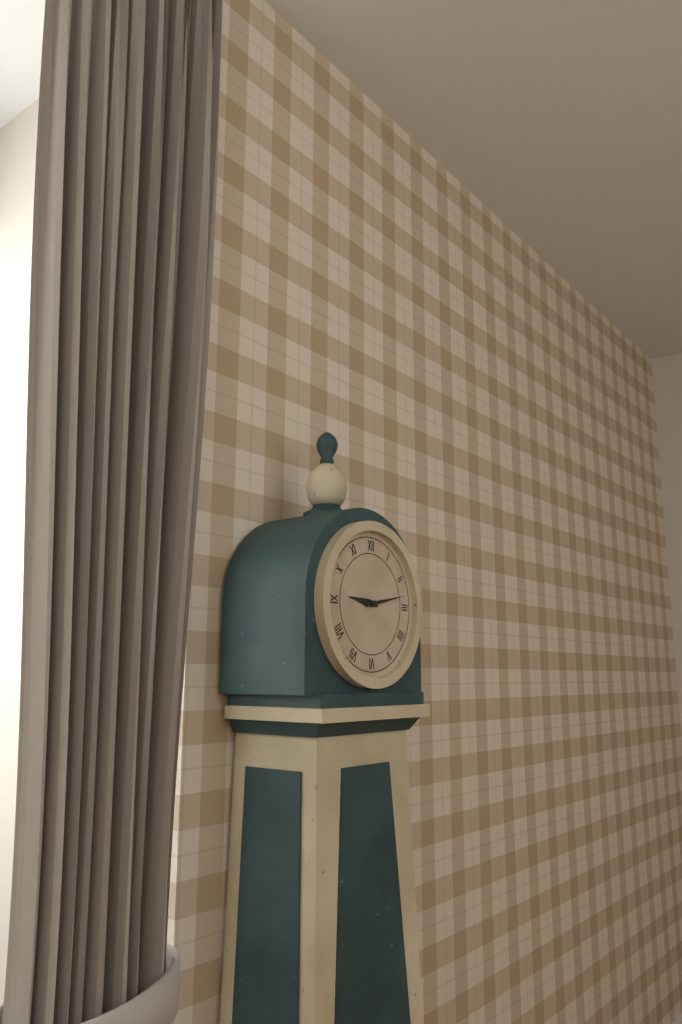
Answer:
9 h 13 min
